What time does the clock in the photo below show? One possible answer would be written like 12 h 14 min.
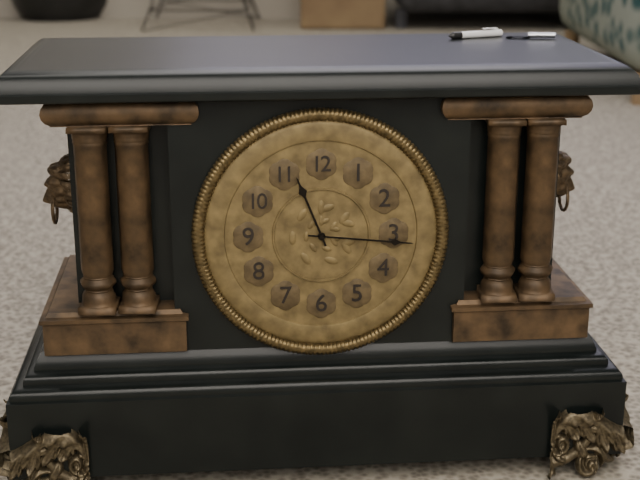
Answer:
11 h 16 min
